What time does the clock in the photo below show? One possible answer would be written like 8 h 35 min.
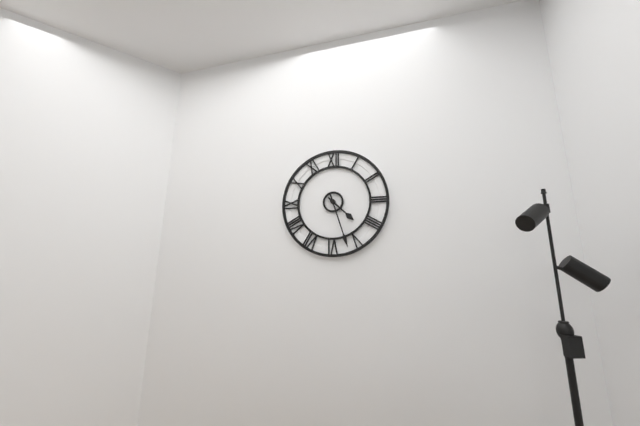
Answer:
4 h 27 min
